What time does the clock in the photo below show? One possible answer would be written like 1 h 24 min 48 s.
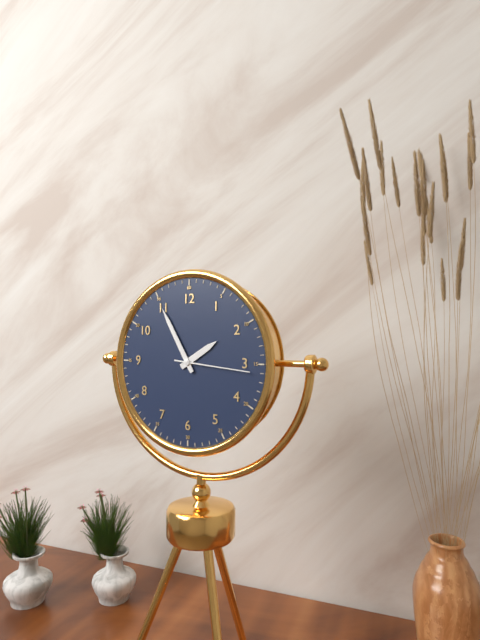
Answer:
1 h 55 min 16 s
